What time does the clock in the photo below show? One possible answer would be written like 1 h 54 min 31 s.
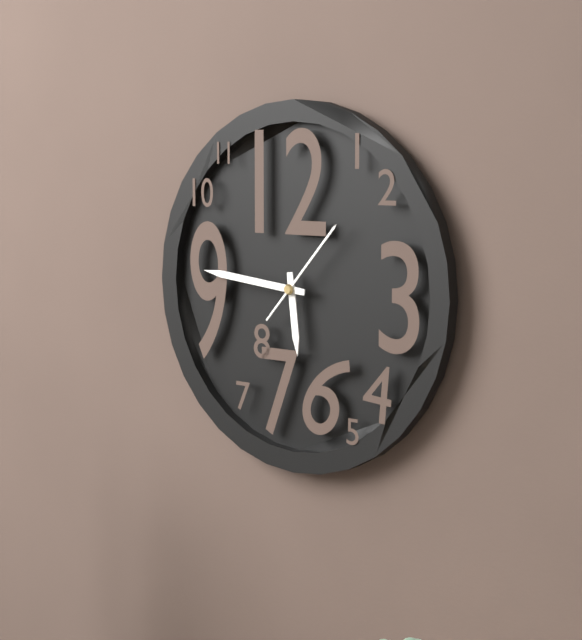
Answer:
5 h 46 min 07 s
